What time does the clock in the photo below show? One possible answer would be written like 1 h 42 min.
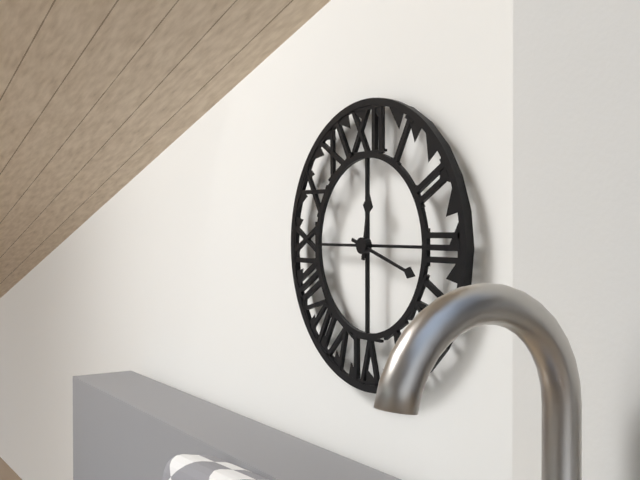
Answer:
12 h 18 min
